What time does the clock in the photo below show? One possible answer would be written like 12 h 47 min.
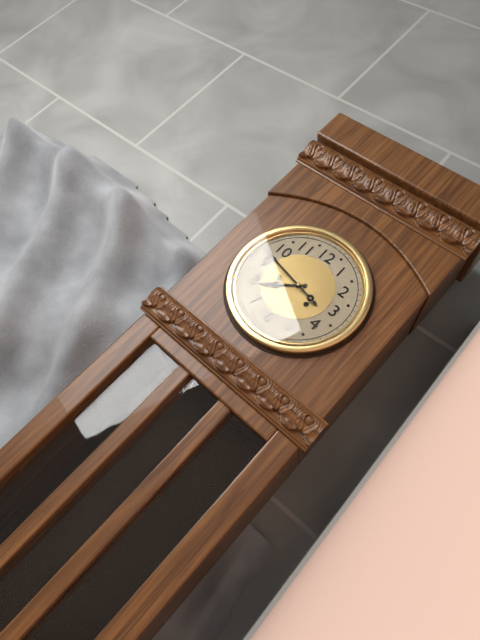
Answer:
7 h 47 min
